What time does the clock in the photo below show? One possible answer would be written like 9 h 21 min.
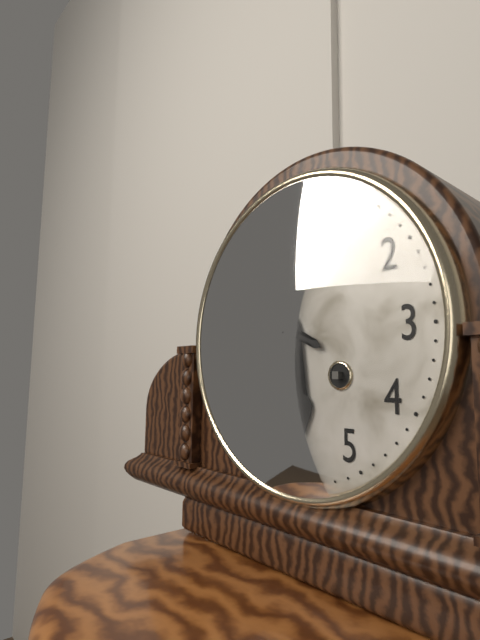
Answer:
5 h 49 min
